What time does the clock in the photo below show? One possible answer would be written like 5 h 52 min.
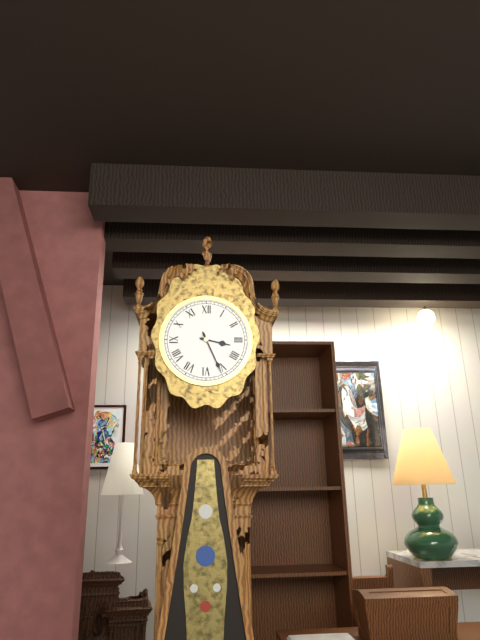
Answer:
3 h 26 min
